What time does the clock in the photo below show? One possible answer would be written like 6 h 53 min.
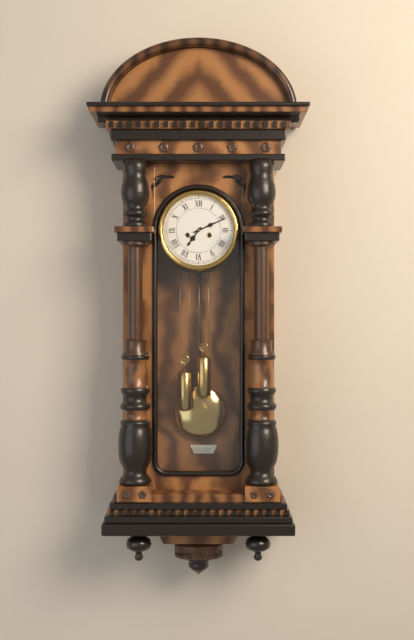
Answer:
7 h 11 min
